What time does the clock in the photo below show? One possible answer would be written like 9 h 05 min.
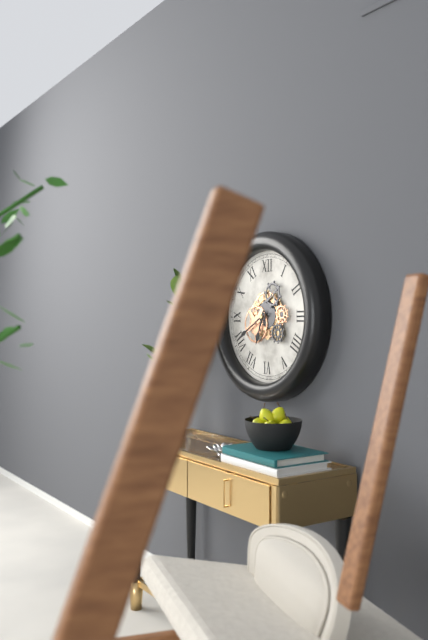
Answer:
6 h 40 min
